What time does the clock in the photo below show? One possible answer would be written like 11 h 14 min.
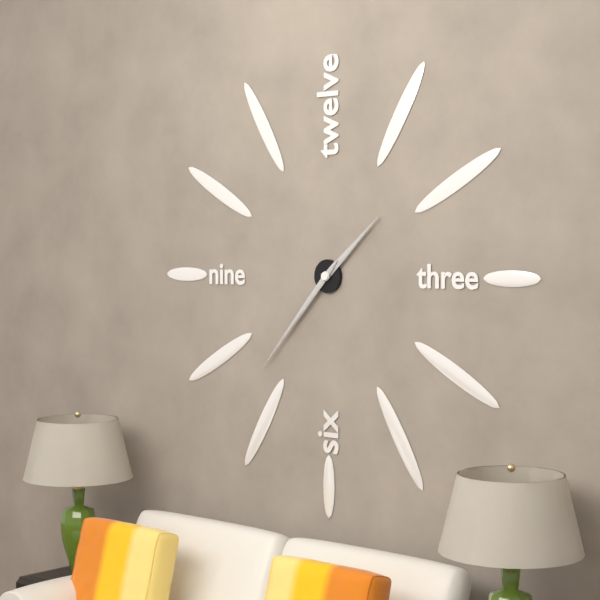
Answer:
1 h 37 min
